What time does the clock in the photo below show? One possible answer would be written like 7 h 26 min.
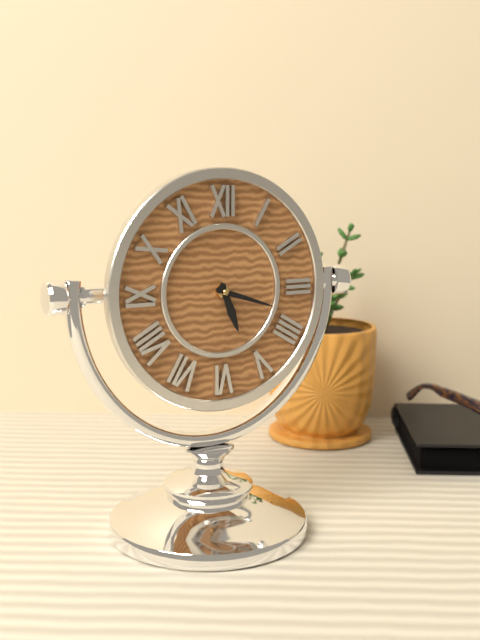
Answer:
5 h 18 min
